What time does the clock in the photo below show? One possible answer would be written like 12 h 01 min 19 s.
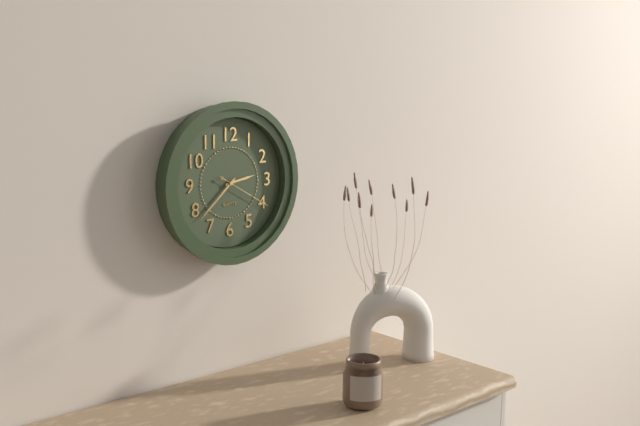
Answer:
2 h 38 min 20 s
